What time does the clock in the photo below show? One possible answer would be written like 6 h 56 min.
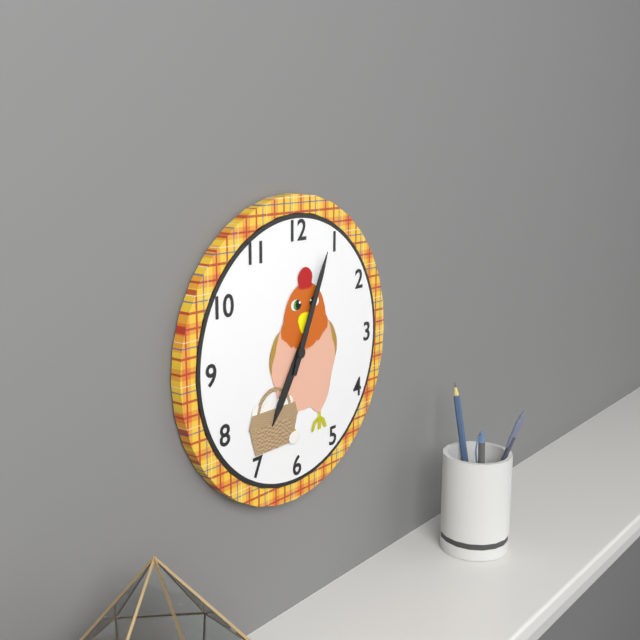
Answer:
7 h 04 min
